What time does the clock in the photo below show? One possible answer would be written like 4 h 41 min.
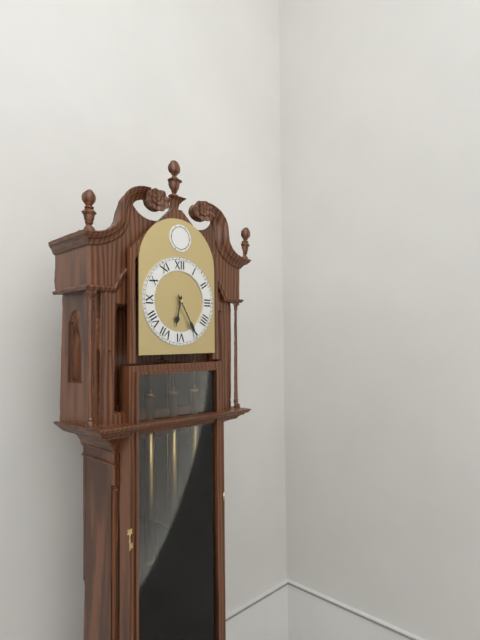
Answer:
6 h 25 min
